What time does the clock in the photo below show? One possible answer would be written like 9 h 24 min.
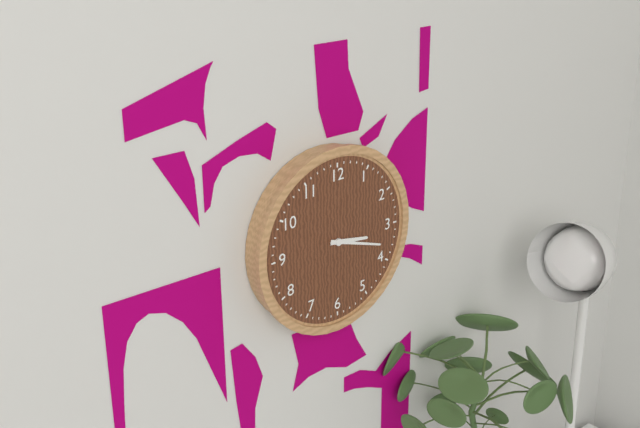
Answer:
3 h 18 min
